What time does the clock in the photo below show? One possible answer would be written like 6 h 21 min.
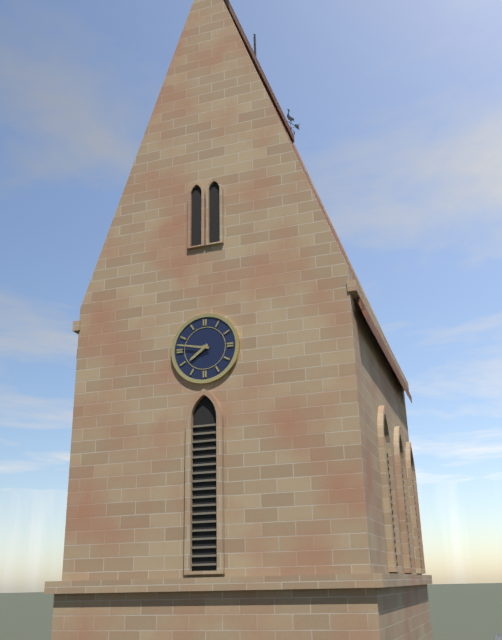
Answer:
7 h 47 min
